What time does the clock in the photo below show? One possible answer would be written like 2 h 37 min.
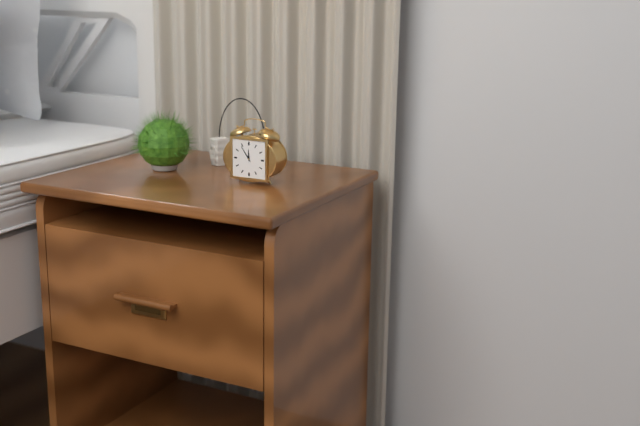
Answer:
11 h 54 min
